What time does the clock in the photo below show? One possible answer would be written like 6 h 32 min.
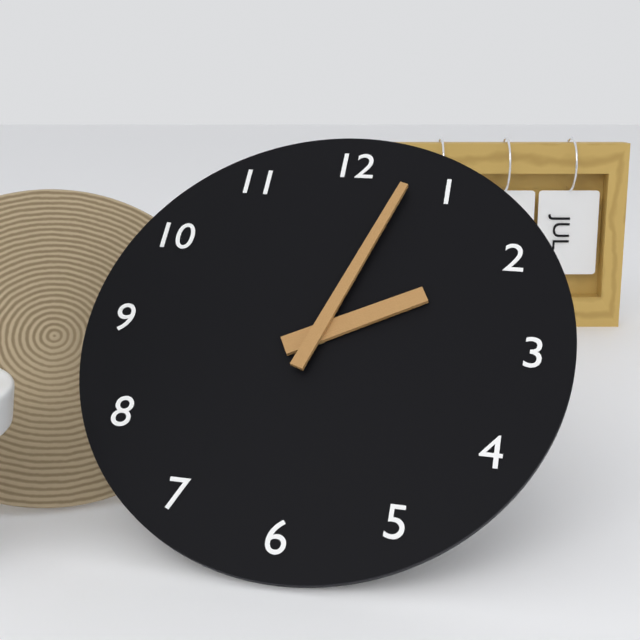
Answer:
2 h 03 min
